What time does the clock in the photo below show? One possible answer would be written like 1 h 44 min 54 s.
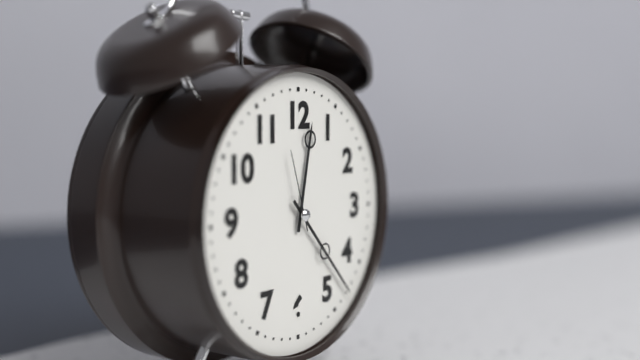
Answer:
12 h 23 min 57 s
